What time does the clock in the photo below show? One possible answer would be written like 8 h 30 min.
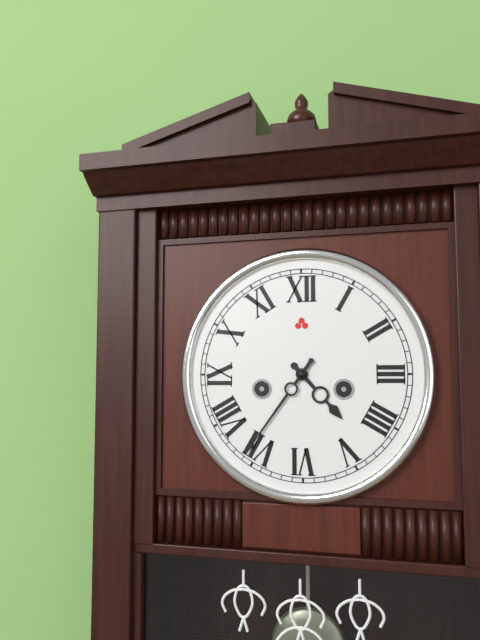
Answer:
4 h 36 min
